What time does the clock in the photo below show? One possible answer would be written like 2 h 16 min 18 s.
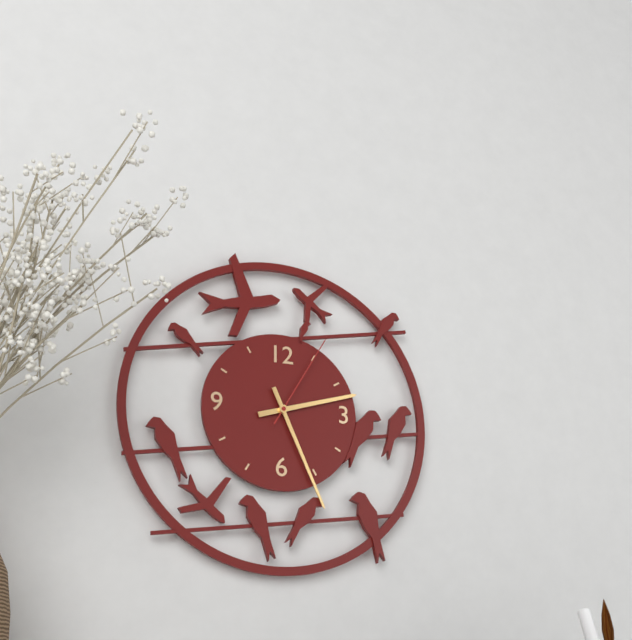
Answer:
2 h 26 min 05 s
